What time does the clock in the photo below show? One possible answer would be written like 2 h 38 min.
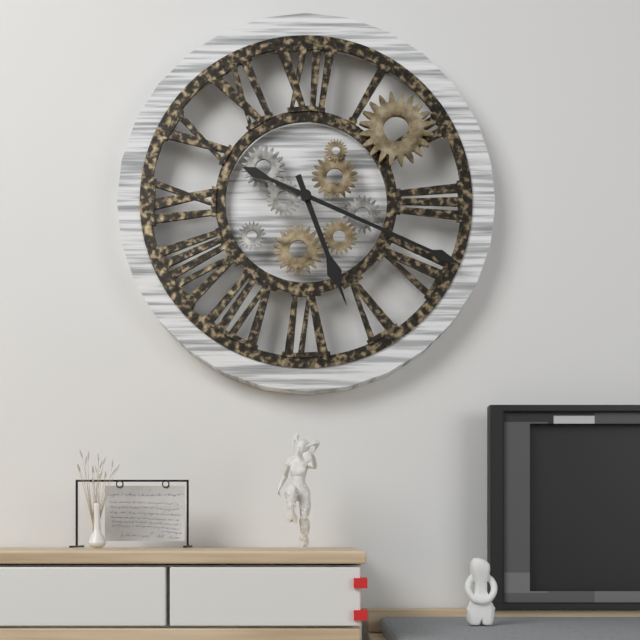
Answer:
5 h 19 min
